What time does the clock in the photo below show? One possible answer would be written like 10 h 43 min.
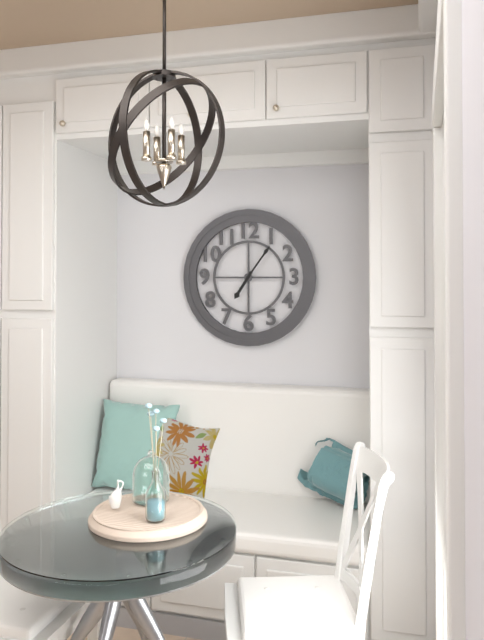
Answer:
7 h 06 min
